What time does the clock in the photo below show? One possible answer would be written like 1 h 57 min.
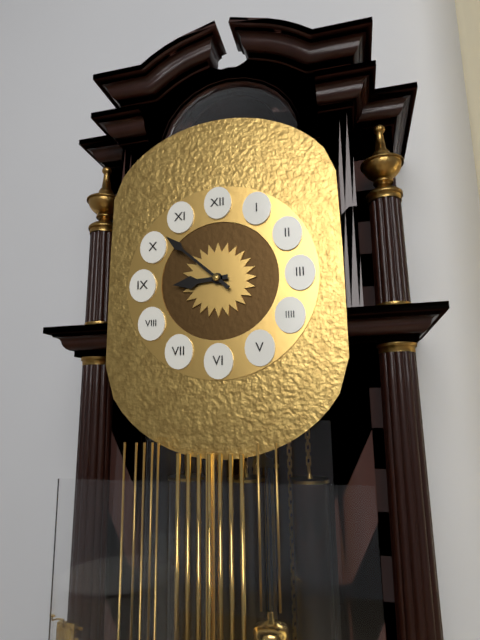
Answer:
8 h 52 min
